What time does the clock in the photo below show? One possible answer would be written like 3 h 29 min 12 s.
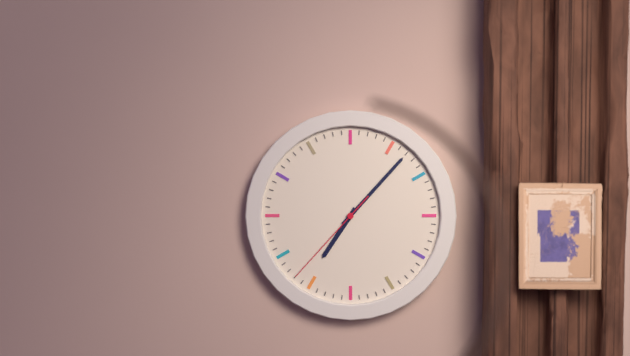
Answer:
7 h 07 min 37 s
